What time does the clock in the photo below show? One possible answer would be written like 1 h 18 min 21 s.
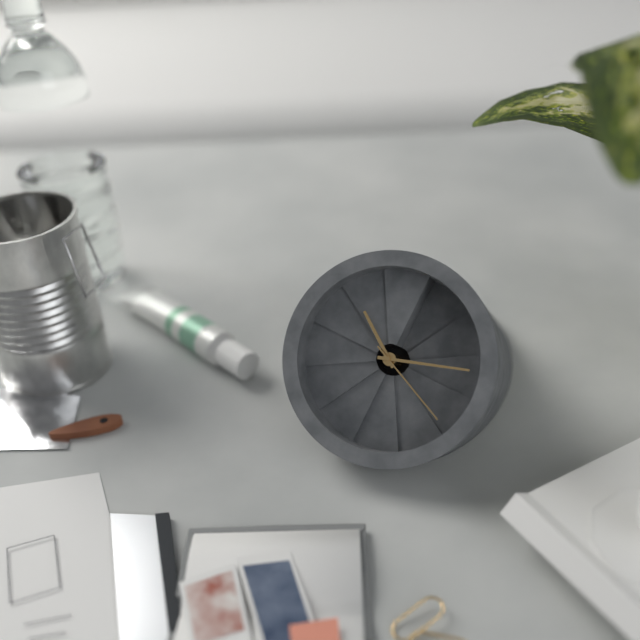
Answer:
10 h 12 min 19 s
